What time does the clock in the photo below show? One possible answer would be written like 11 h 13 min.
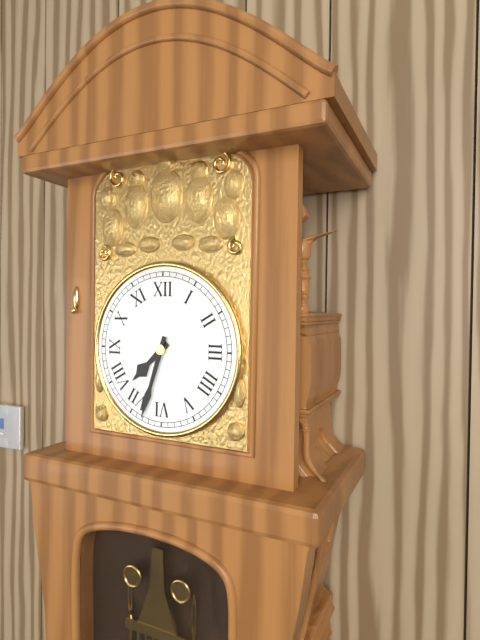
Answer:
7 h 33 min
